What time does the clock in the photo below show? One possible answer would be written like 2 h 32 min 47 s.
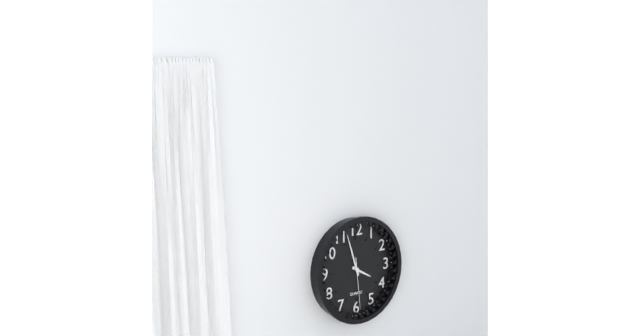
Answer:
3 h 57 min 29 s
